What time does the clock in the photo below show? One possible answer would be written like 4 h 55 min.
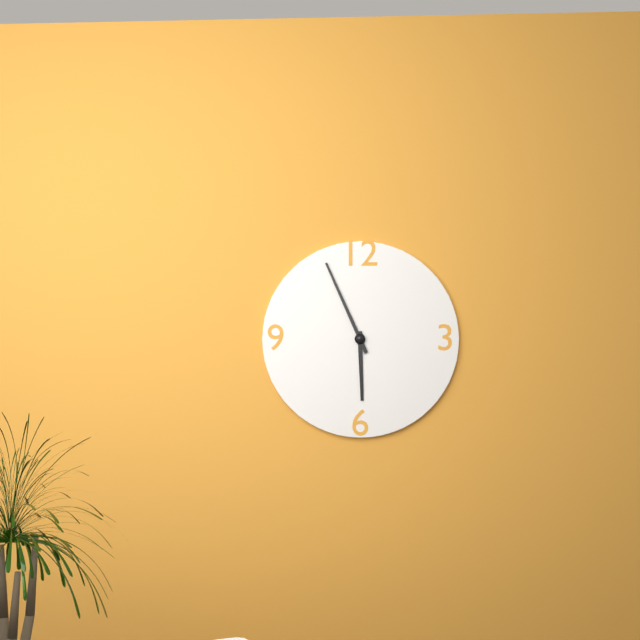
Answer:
5 h 56 min
